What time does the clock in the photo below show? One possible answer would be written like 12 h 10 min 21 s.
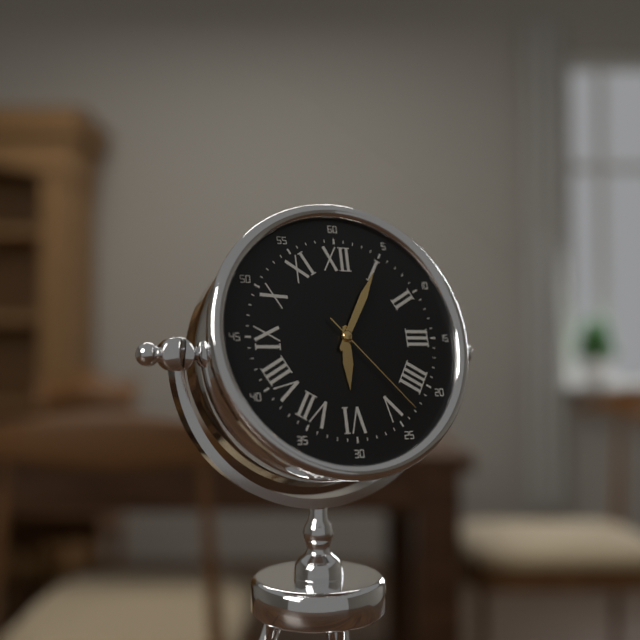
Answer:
6 h 05 min 23 s
